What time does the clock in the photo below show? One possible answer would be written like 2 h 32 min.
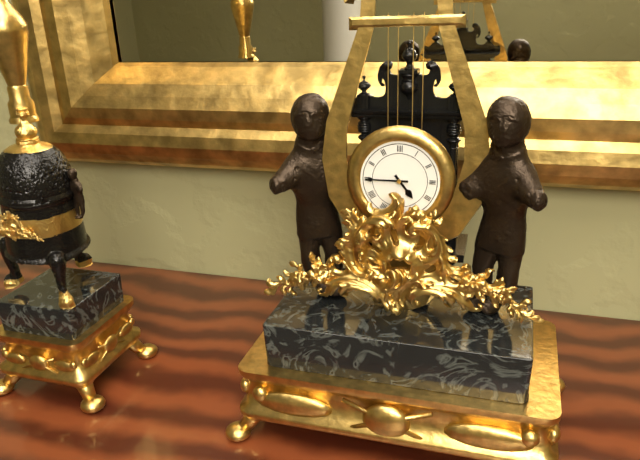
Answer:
4 h 45 min
